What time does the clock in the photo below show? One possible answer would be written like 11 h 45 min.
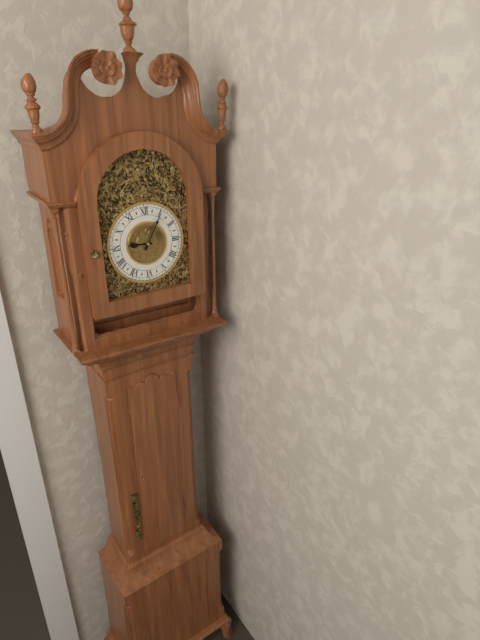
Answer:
9 h 05 min
